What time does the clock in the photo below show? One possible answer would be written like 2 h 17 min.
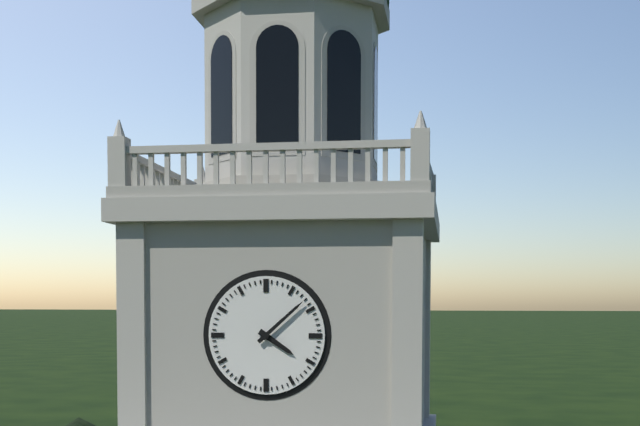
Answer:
4 h 08 min
